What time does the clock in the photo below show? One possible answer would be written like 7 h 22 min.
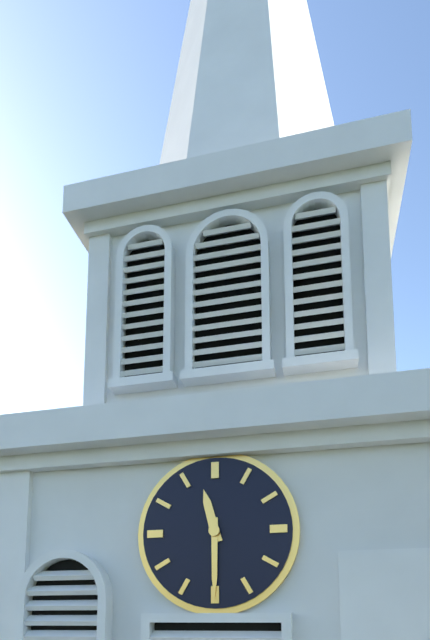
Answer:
11 h 30 min
